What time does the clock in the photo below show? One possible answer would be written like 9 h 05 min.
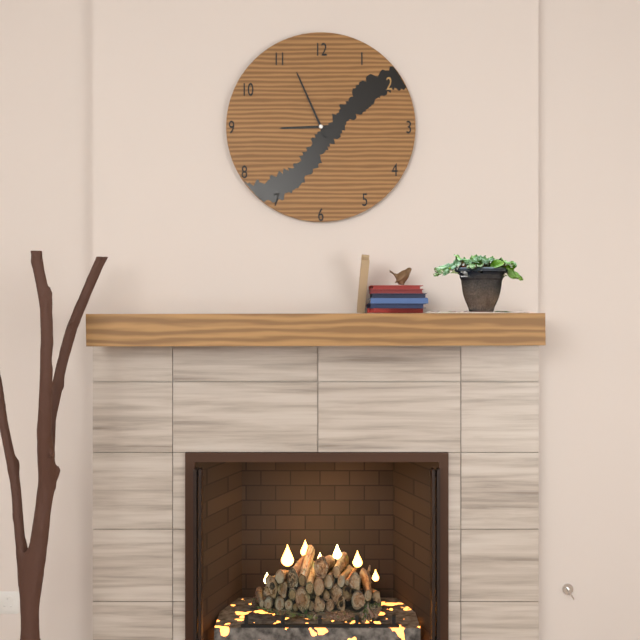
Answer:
8 h 56 min
